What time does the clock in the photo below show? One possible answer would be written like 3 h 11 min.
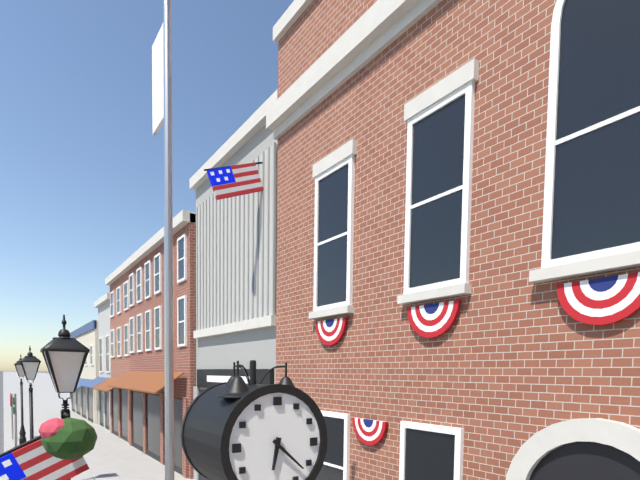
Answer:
6 h 22 min
